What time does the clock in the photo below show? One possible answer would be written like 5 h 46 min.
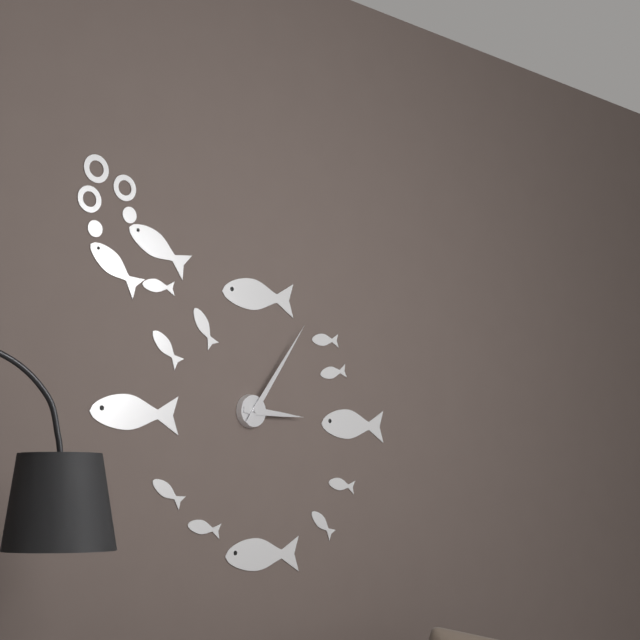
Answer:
3 h 06 min
